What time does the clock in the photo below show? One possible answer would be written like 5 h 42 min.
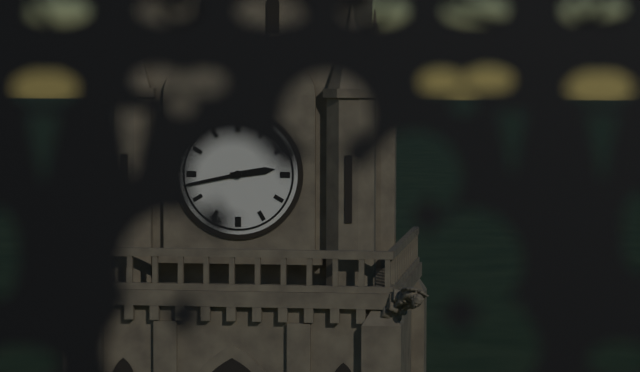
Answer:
2 h 43 min
